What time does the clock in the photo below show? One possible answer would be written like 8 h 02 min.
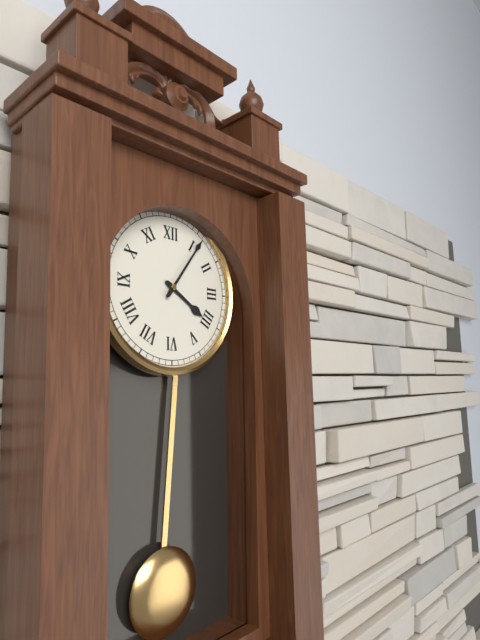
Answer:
4 h 06 min
